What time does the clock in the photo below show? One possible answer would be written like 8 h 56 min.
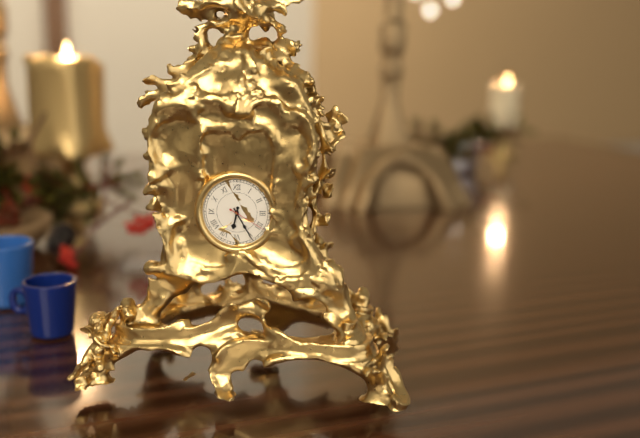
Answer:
6 h 25 min
